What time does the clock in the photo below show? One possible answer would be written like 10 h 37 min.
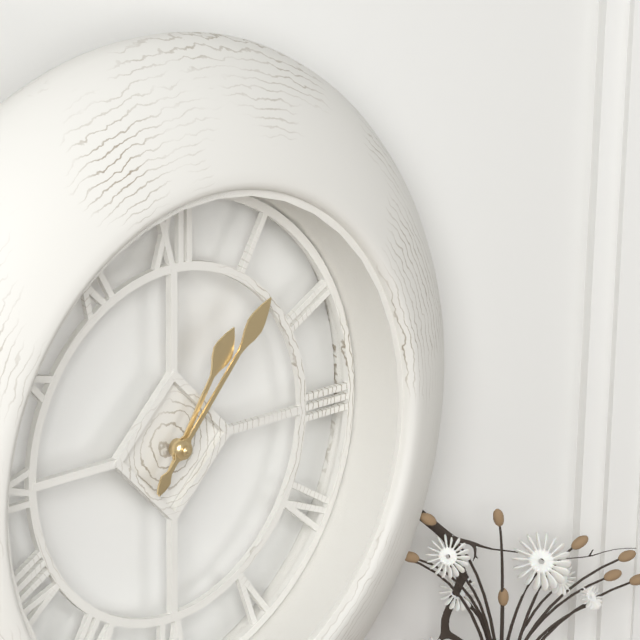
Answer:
1 h 07 min
